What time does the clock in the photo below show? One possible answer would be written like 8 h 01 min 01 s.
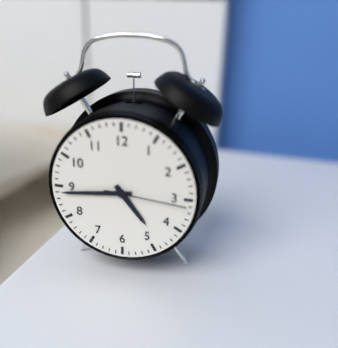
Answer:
4 h 44 min 16 s
